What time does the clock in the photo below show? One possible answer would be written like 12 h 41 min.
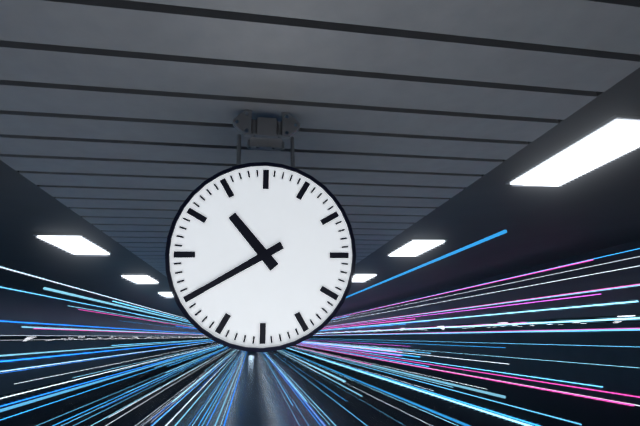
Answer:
10 h 40 min
